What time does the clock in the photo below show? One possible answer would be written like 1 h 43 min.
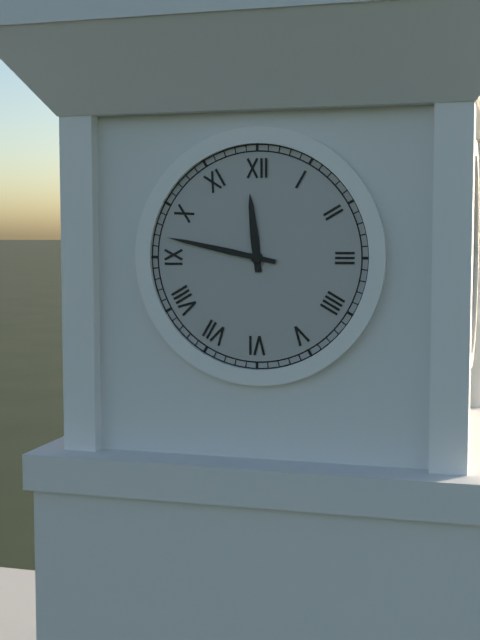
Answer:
11 h 47 min
